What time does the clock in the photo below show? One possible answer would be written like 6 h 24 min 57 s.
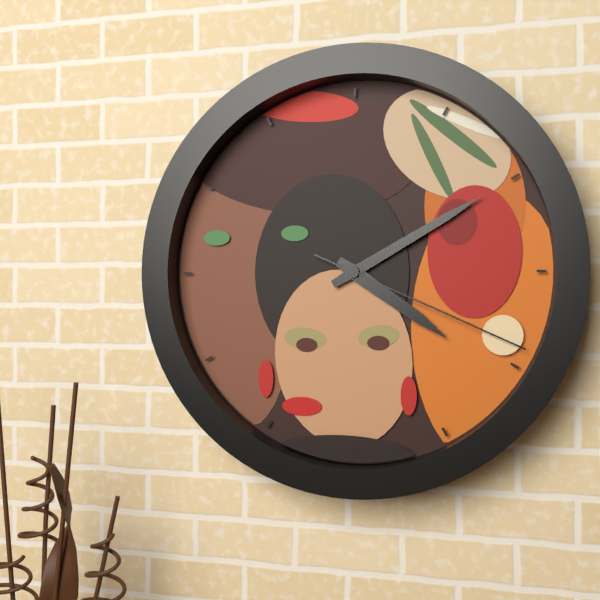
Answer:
4 h 10 min 19 s
